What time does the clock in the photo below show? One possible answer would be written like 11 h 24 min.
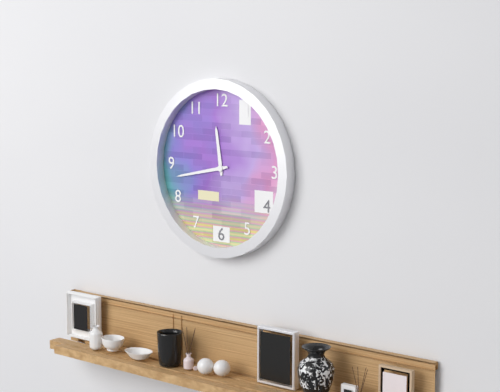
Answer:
11 h 43 min
